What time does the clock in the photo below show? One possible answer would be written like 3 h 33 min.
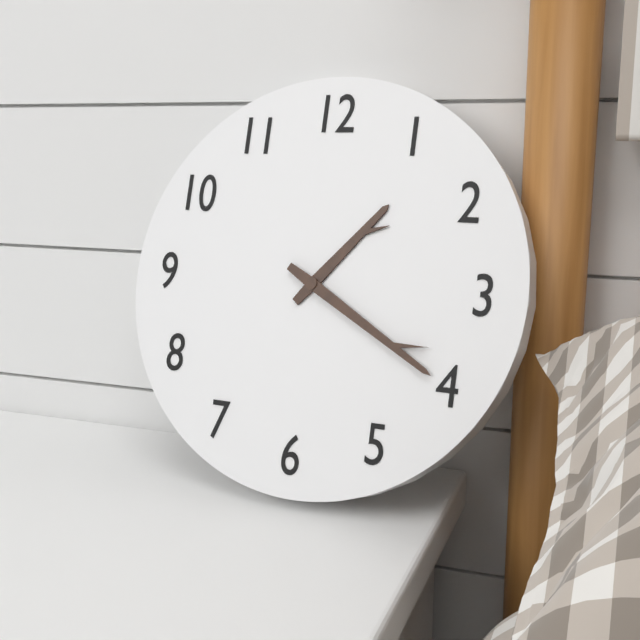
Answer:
1 h 20 min
